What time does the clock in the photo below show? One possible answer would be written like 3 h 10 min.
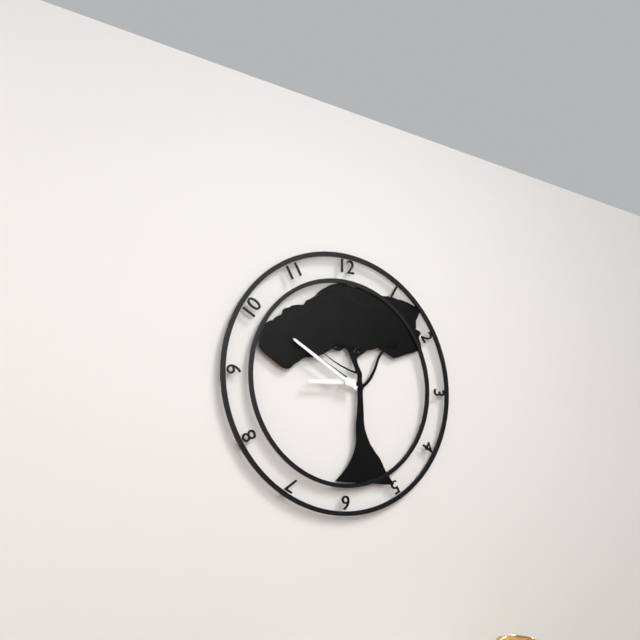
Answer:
8 h 50 min
